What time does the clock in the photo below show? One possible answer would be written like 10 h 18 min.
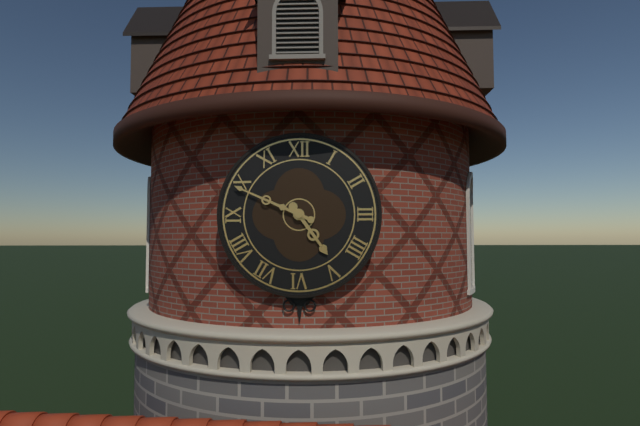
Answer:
4 h 49 min
